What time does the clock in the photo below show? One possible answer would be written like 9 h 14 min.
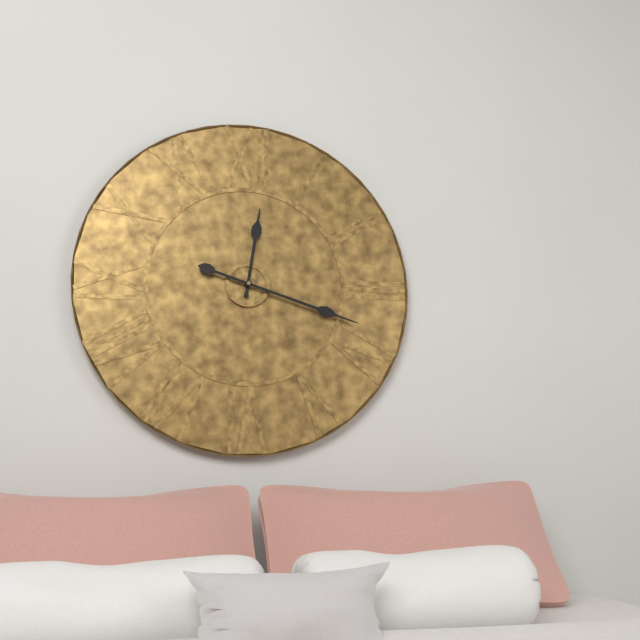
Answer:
12 h 18 min
